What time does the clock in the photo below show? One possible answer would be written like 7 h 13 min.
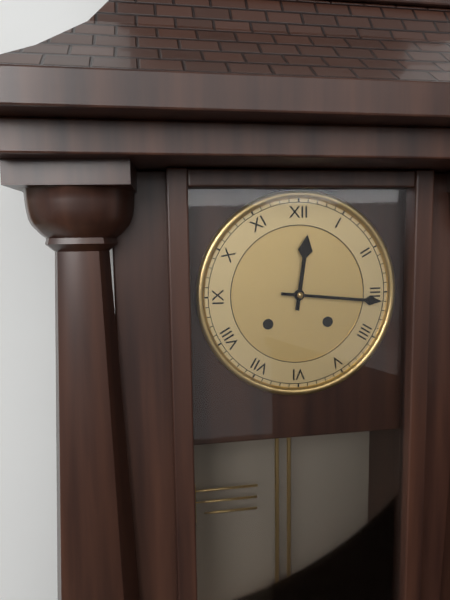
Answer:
12 h 16 min
